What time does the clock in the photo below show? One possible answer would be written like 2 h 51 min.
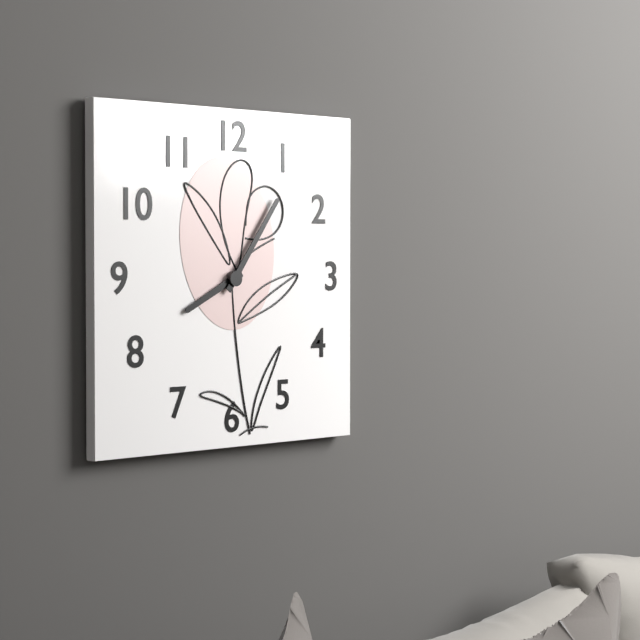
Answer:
8 h 06 min
